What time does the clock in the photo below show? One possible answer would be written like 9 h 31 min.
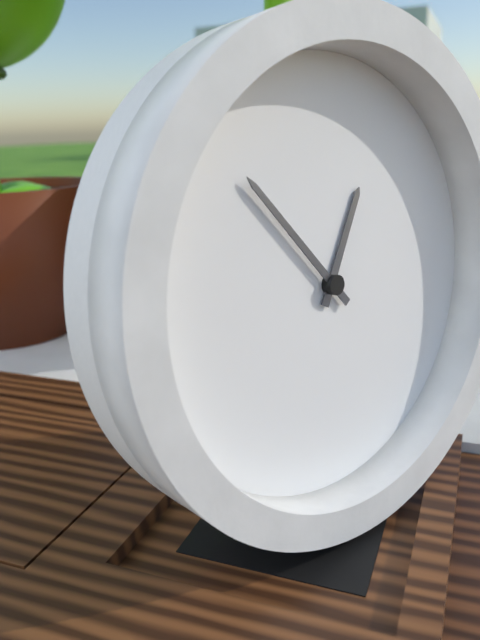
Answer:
12 h 53 min
